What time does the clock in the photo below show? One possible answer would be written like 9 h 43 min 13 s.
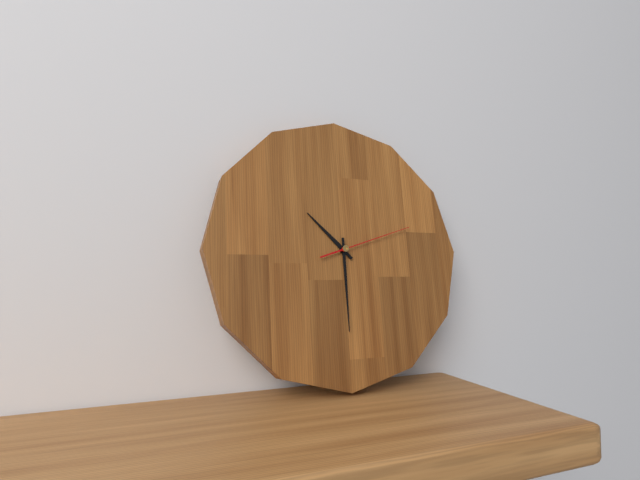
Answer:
10 h 30 min 12 s
